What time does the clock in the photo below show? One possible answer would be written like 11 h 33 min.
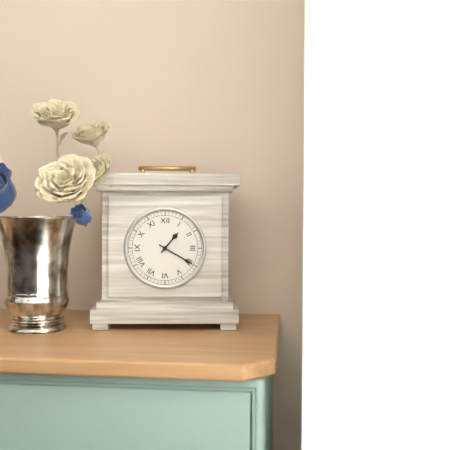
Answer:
1 h 20 min
